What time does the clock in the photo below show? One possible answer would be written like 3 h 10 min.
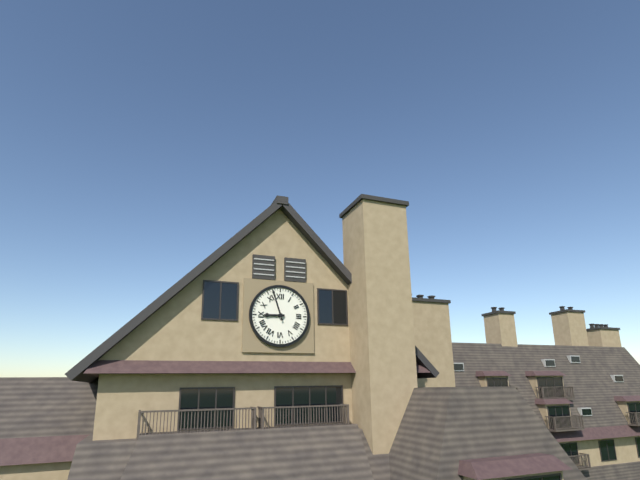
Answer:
8 h 57 min
